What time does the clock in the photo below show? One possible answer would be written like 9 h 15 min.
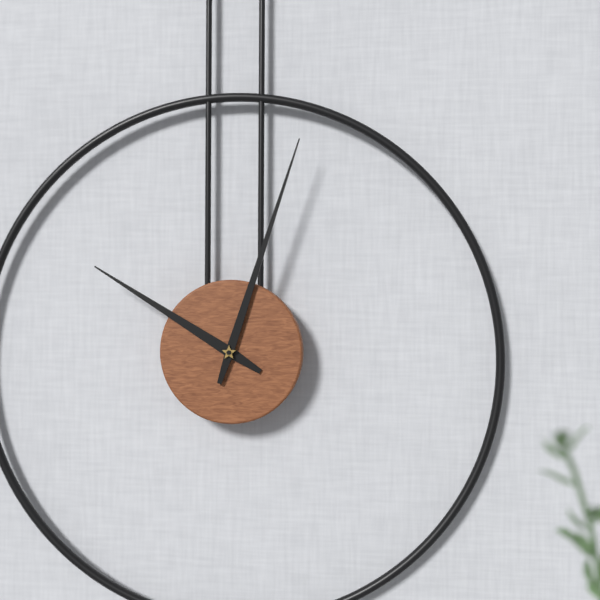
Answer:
10 h 03 min
